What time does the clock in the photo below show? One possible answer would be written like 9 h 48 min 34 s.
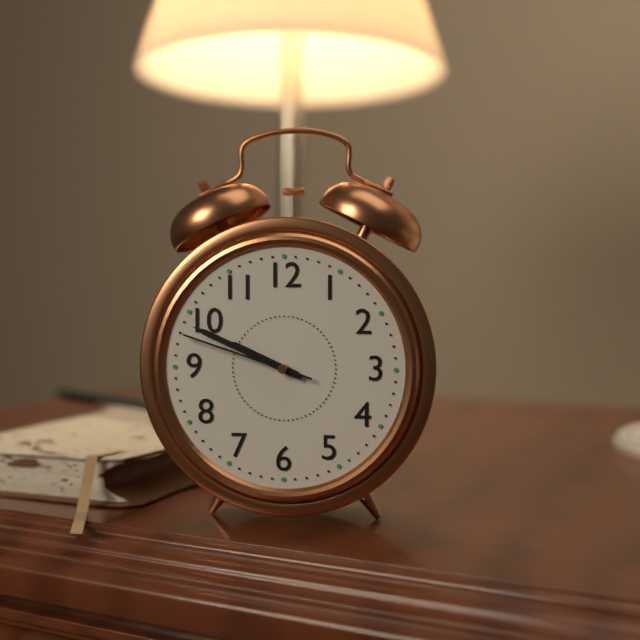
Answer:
9 h 49 min 48 s
